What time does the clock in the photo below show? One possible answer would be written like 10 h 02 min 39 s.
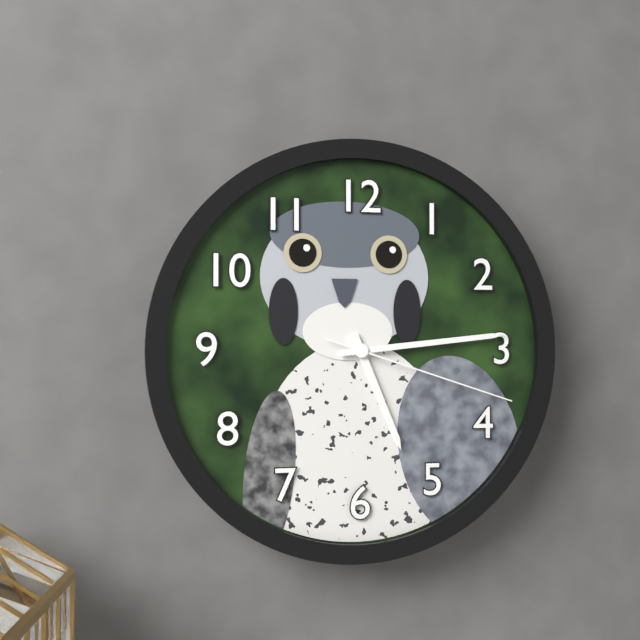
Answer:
5 h 14 min 18 s
